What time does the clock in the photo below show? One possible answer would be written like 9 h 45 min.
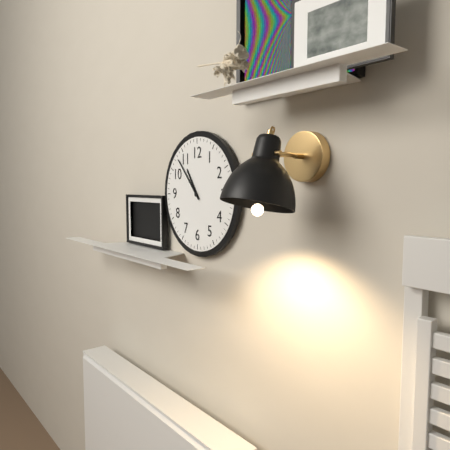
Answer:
10 h 53 min
